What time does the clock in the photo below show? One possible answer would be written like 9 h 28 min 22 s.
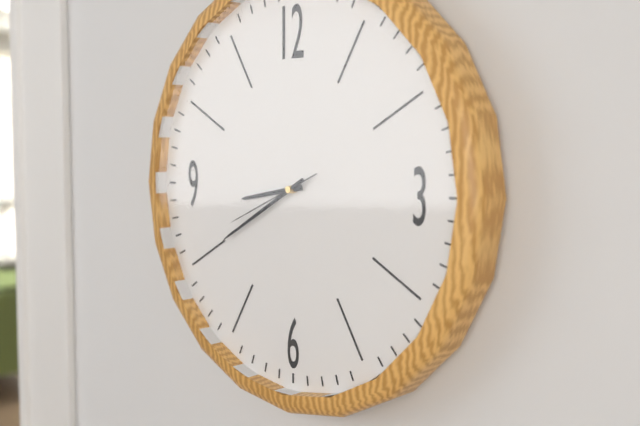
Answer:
8 h 40 min 41 s
